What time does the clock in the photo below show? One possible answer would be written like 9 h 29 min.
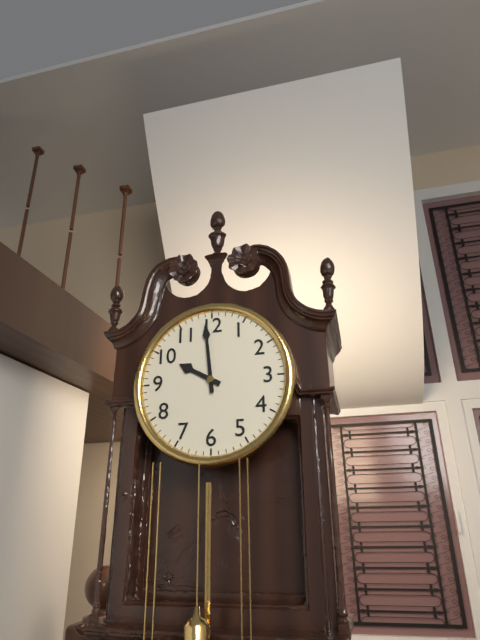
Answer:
9 h 59 min
